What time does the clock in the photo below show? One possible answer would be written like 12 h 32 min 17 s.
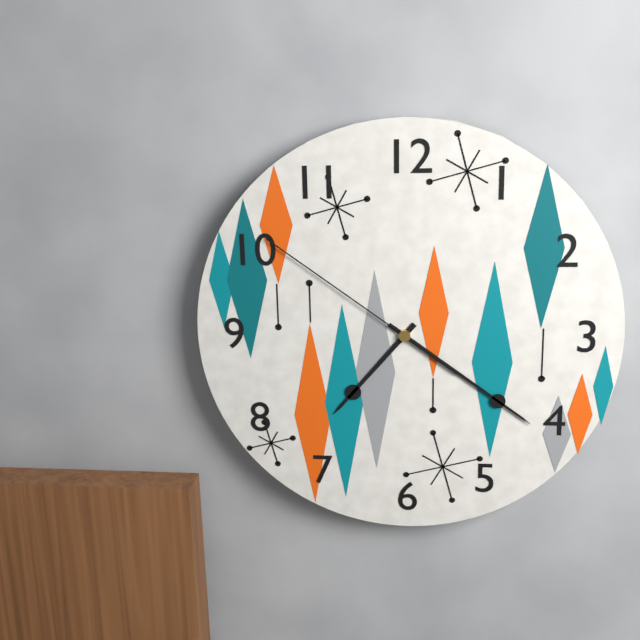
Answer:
7 h 21 min 51 s
